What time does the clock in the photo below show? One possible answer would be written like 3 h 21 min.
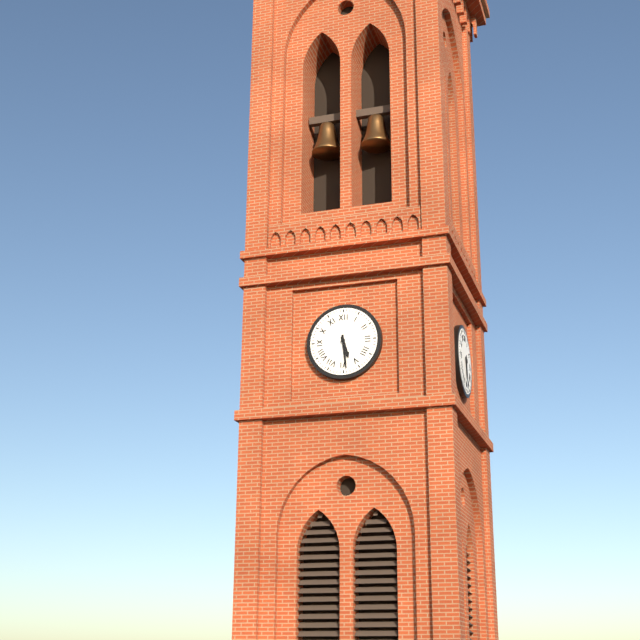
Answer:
5 h 29 min
